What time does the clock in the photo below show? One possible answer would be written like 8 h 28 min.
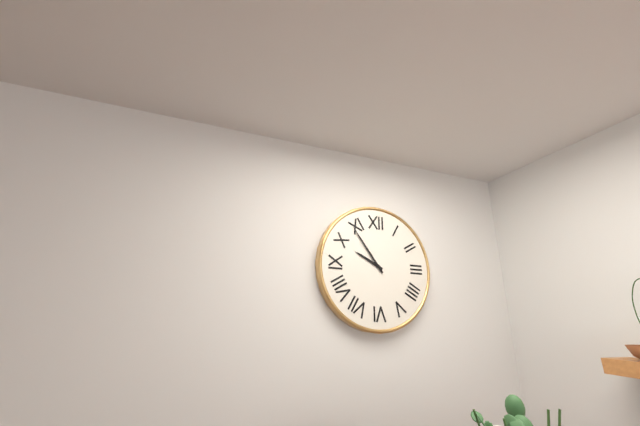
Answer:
9 h 54 min
